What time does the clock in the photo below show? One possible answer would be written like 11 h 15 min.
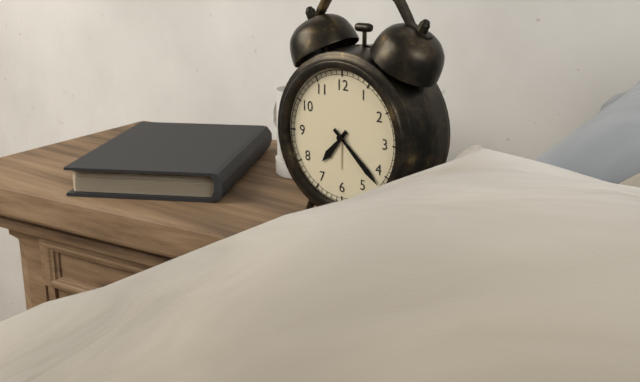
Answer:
7 h 22 min
